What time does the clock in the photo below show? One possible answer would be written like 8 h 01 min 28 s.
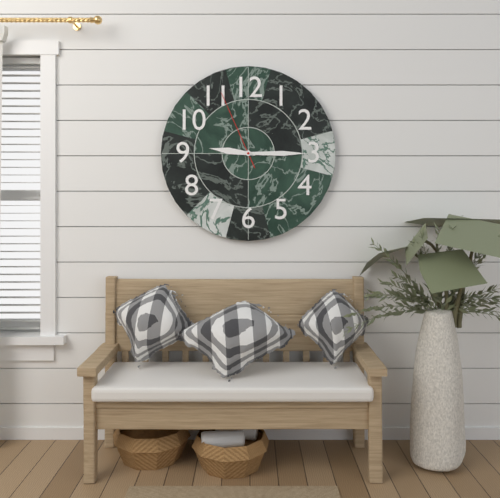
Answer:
9 h 15 min 56 s
